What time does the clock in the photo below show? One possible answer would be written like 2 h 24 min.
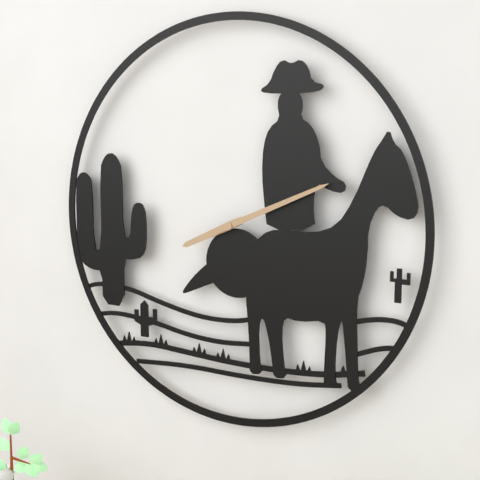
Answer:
8 h 11 min
